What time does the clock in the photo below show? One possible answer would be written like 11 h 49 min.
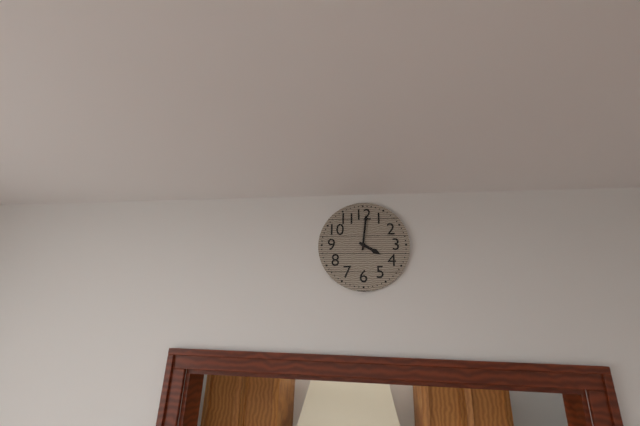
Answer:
4 h 01 min
